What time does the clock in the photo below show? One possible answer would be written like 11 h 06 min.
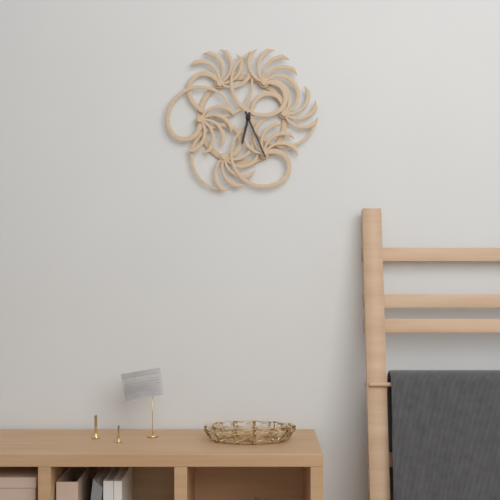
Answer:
6 h 26 min
